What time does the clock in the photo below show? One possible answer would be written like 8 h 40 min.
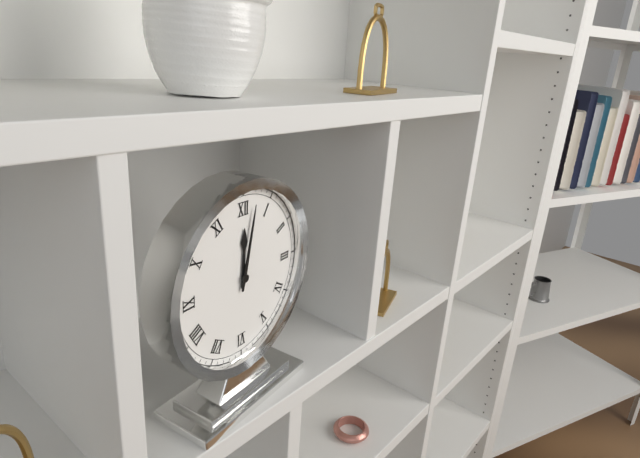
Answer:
12 h 02 min
